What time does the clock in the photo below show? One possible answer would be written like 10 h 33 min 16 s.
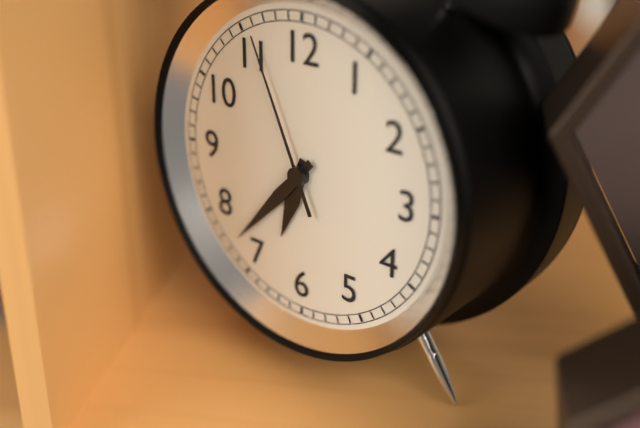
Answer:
6 h 37 min 56 s
